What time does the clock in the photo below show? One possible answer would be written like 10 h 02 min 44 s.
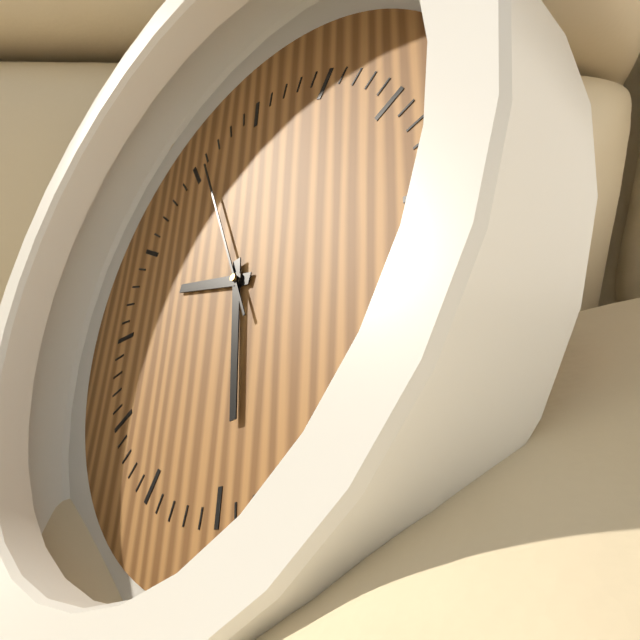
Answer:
9 h 29 min 56 s
